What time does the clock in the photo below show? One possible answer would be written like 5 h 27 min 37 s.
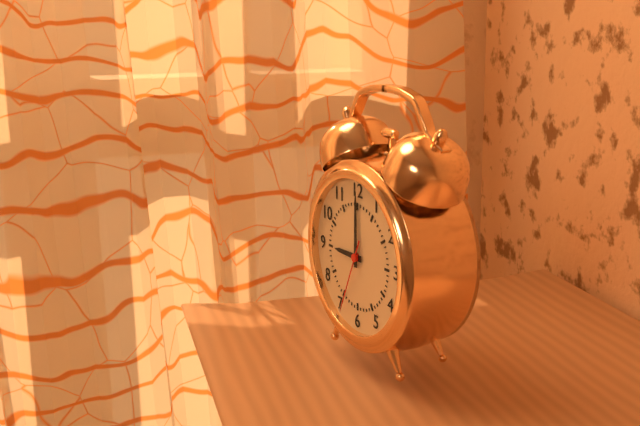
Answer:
9 h 00 min 34 s
